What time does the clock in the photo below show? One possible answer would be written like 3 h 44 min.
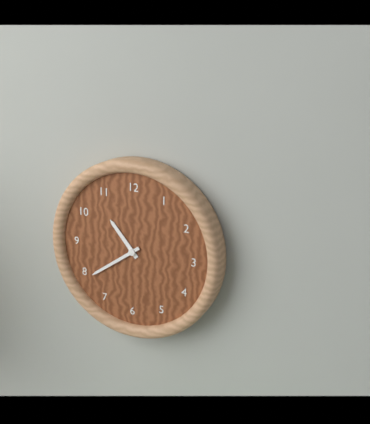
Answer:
10 h 39 min
